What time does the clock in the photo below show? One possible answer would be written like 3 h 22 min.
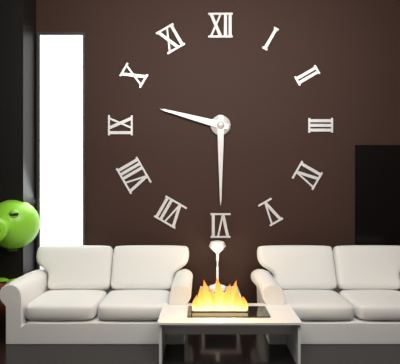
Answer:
9 h 30 min
